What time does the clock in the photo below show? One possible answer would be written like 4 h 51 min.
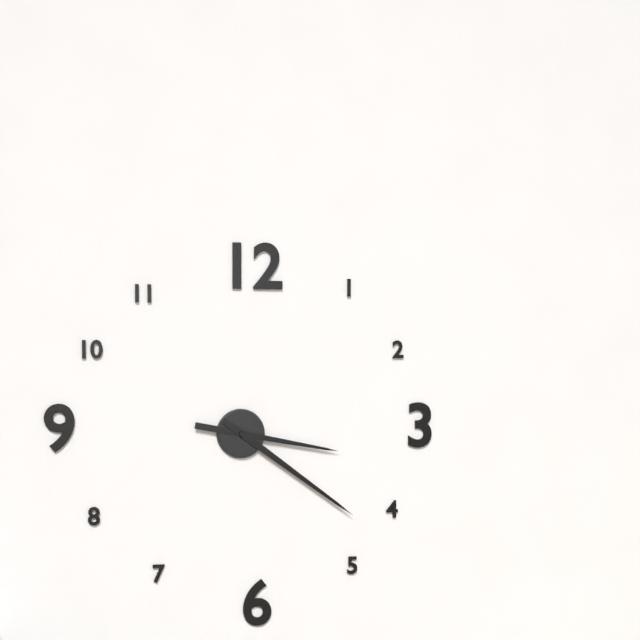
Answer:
3 h 21 min
